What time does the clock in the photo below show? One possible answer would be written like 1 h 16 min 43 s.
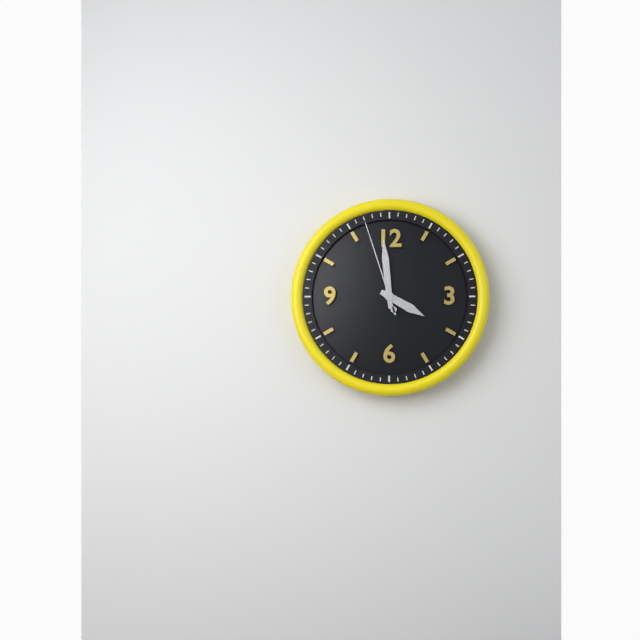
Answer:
3 h 59 min 57 s
